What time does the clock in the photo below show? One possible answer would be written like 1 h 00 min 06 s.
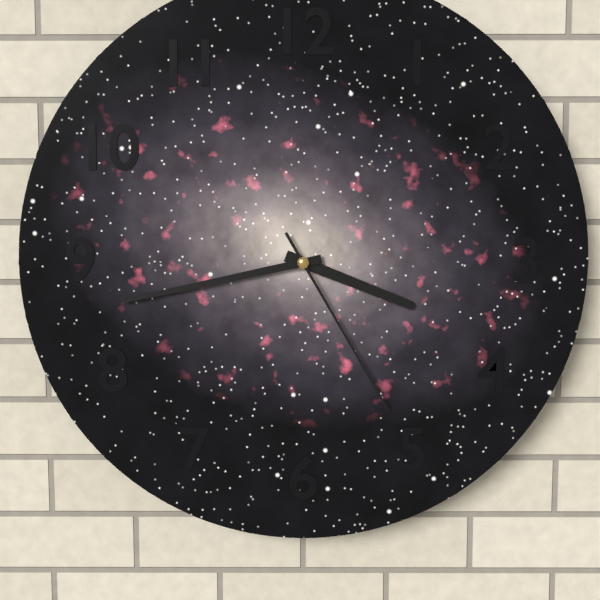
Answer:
3 h 43 min 25 s
